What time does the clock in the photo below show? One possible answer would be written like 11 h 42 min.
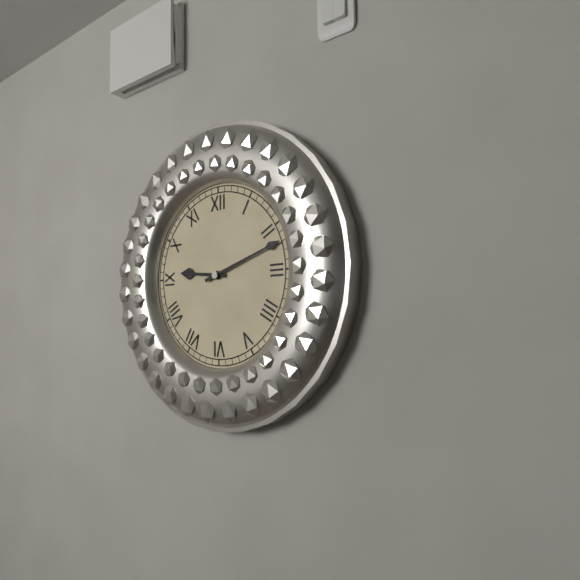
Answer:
9 h 12 min
